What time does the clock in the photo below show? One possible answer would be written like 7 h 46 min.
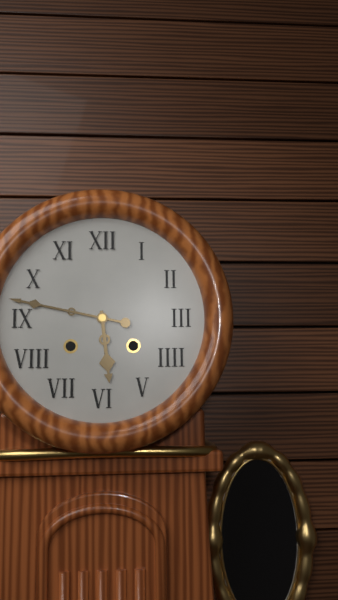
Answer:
5 h 47 min
